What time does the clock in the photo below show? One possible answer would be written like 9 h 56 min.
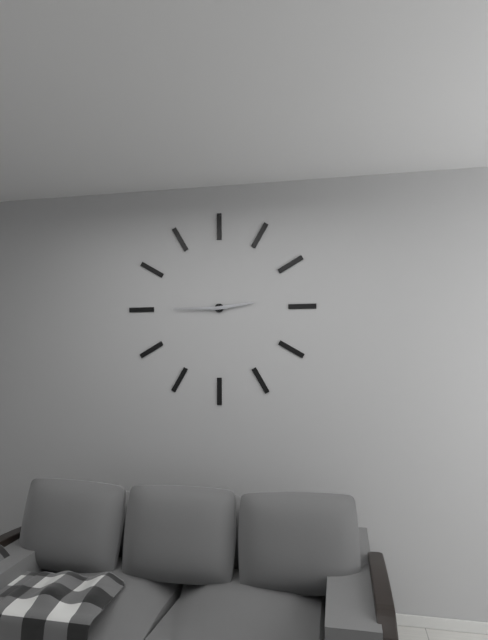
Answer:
2 h 45 min
